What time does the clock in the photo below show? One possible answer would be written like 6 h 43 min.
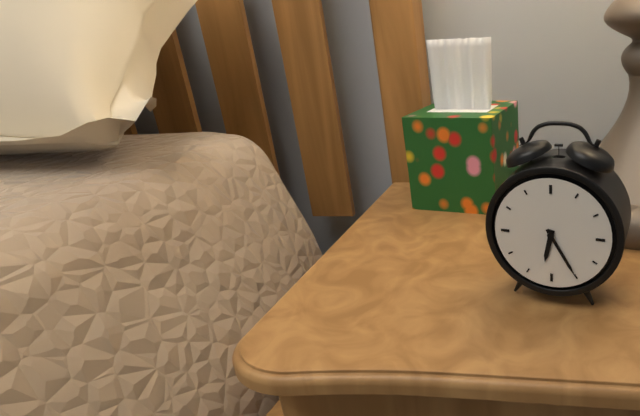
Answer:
6 h 25 min
